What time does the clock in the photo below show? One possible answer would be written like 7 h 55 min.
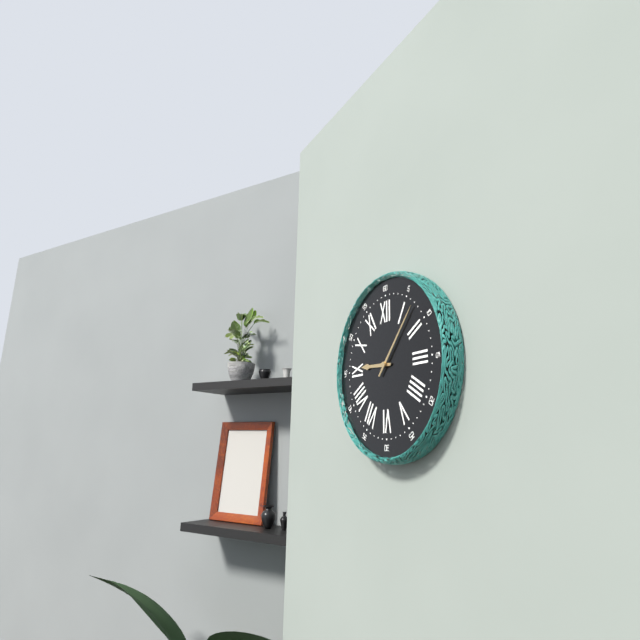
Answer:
9 h 07 min
